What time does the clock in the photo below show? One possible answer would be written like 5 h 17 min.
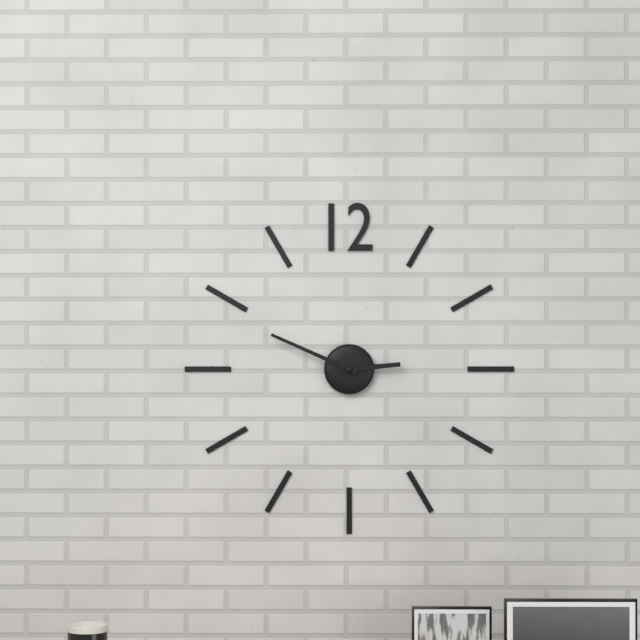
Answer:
2 h 49 min
